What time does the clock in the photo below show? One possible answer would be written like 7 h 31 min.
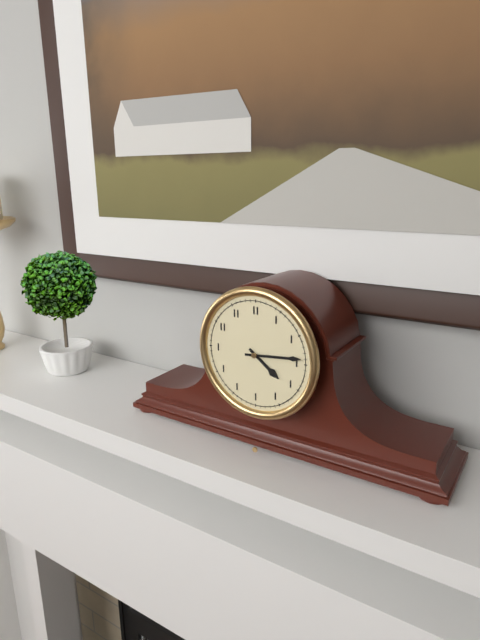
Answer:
4 h 14 min
